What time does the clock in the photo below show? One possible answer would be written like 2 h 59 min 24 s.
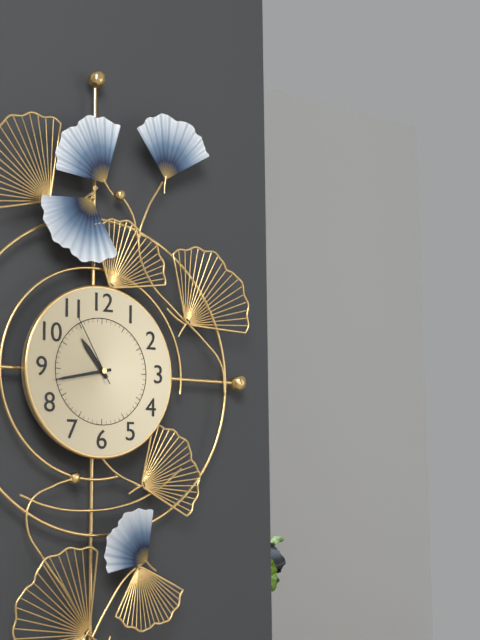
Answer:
10 h 43 min 55 s
